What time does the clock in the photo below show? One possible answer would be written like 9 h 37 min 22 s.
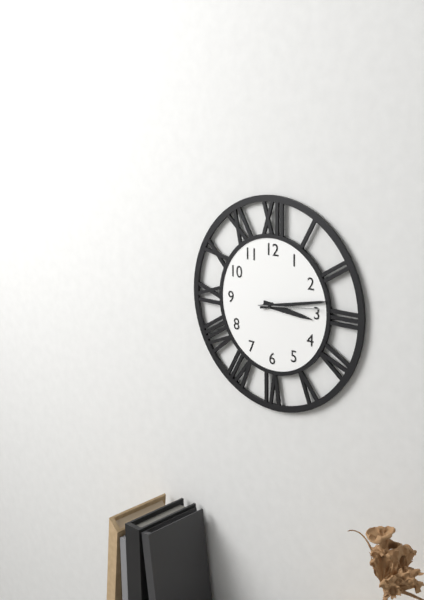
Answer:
3 h 13 min 14 s
